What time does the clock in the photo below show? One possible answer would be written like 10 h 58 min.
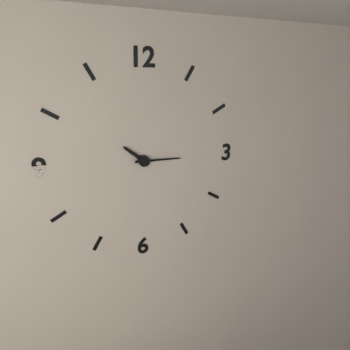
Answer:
10 h 15 min
